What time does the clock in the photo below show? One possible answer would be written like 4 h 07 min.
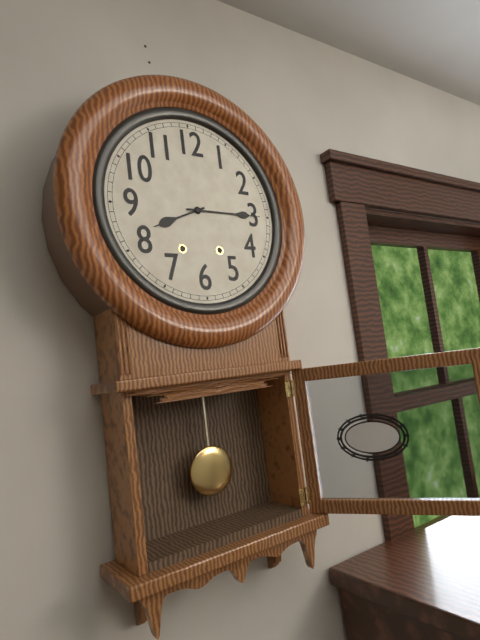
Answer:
8 h 15 min
